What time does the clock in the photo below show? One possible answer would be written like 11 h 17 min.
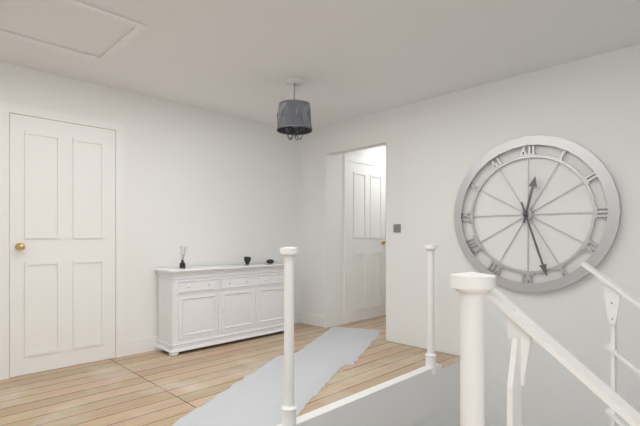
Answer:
12 h 27 min
